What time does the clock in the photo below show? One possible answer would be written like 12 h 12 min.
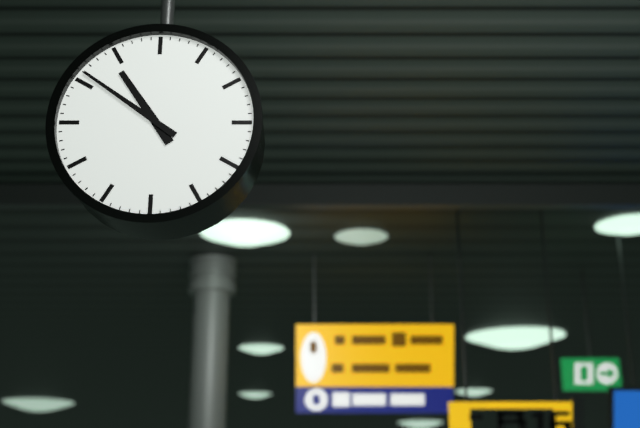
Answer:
10 h 51 min
